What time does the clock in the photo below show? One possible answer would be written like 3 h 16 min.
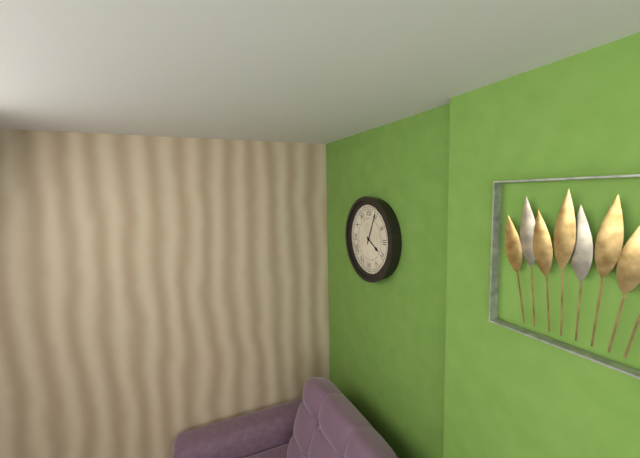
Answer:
4 h 04 min
